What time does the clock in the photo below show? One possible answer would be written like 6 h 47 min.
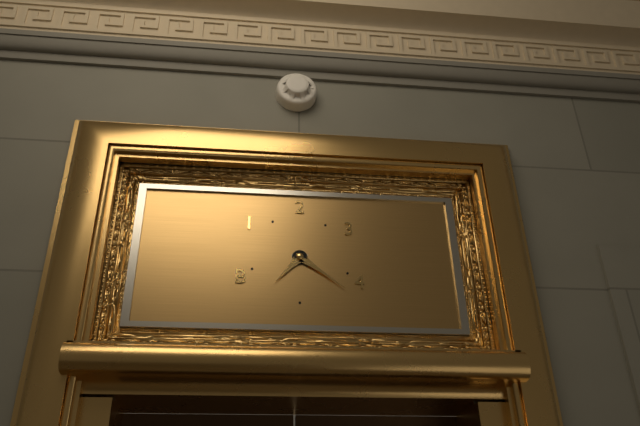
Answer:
7 h 21 min
